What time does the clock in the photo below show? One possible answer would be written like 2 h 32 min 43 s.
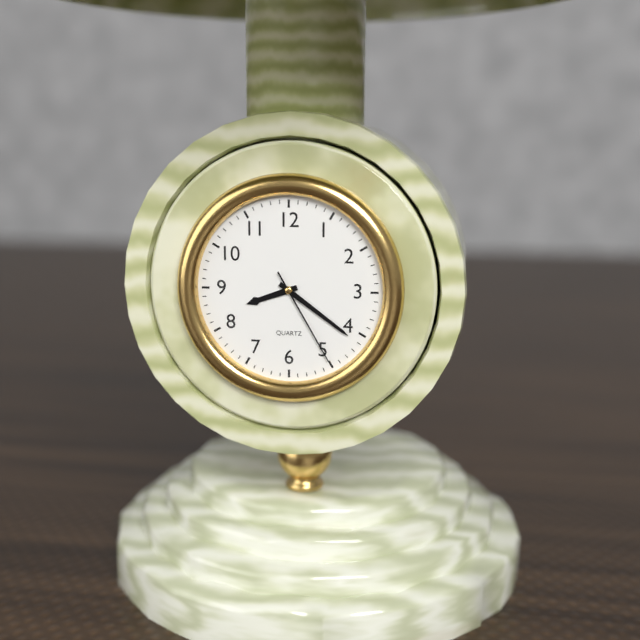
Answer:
8 h 21 min 25 s
